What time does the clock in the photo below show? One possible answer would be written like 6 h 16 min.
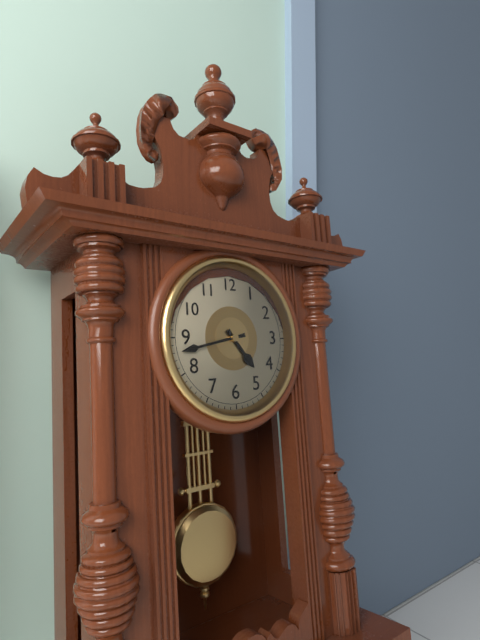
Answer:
4 h 43 min
